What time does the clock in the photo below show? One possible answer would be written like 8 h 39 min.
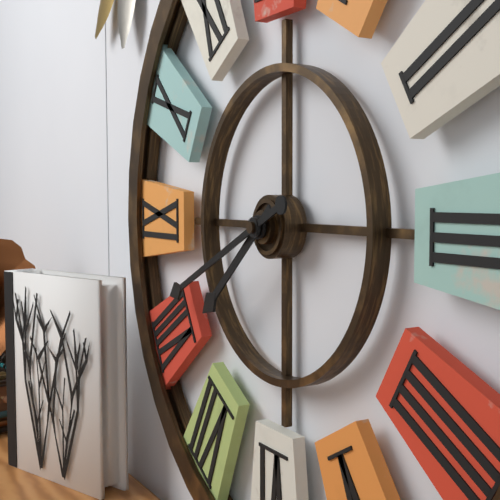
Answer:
7 h 41 min
